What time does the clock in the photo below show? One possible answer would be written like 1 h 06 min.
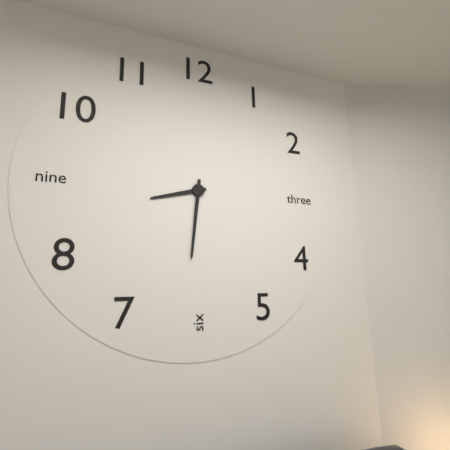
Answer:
8 h 31 min
